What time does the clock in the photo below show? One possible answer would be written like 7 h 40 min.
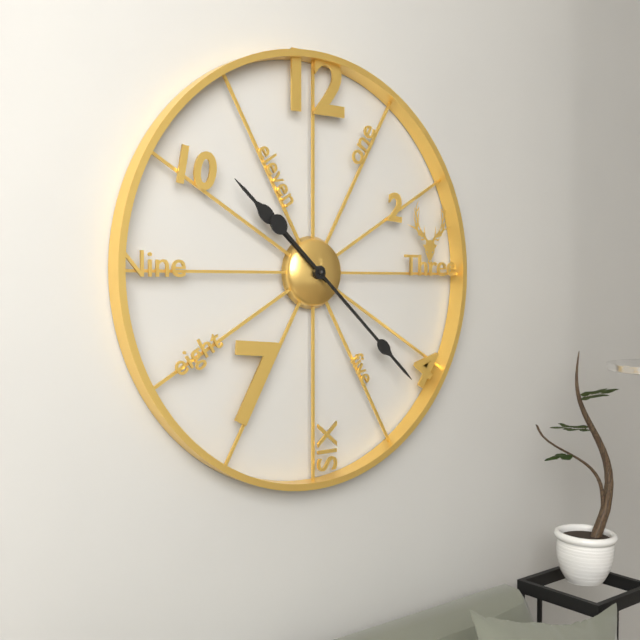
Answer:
10 h 22 min
